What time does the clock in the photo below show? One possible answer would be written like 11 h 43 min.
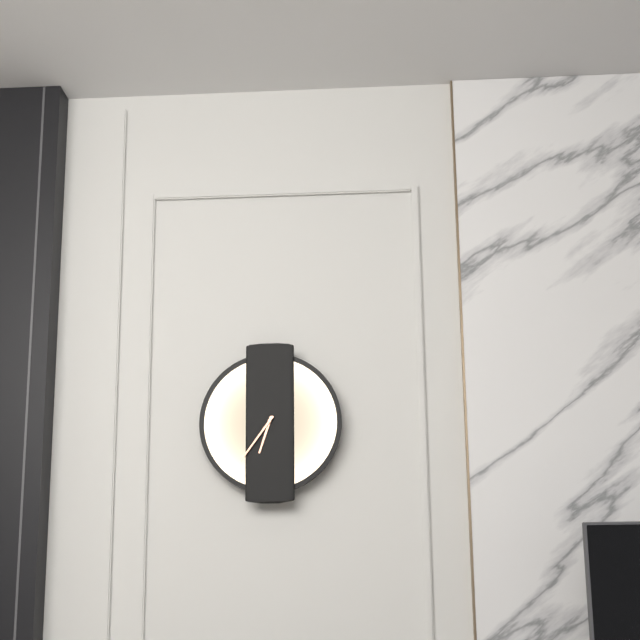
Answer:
6 h 36 min
